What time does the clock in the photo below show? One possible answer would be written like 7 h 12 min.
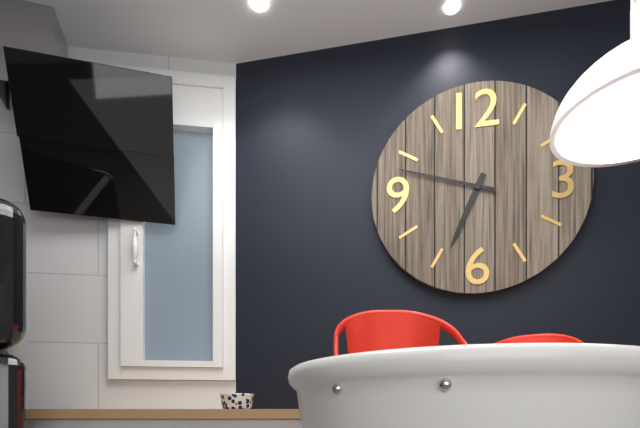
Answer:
6 h 48 min
